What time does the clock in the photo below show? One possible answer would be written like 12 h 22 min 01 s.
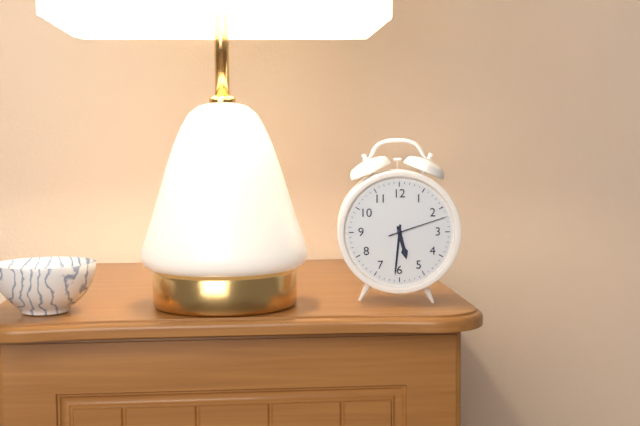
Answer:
5 h 31 min 12 s
